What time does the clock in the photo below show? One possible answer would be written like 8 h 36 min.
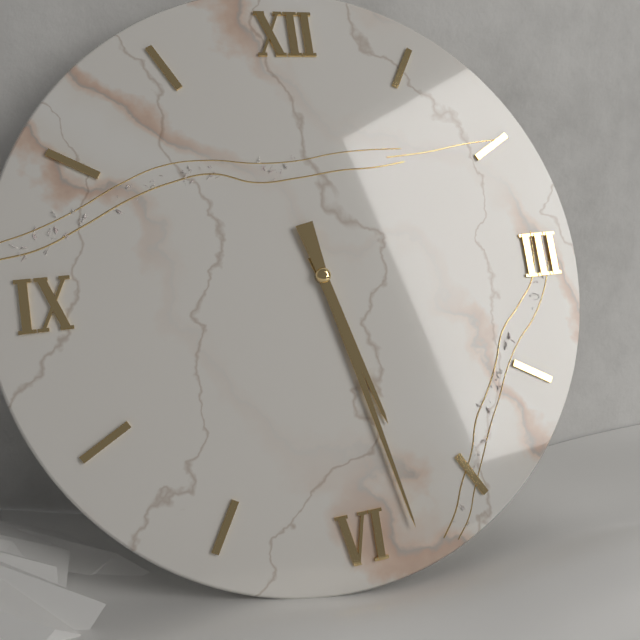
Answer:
5 h 28 min
